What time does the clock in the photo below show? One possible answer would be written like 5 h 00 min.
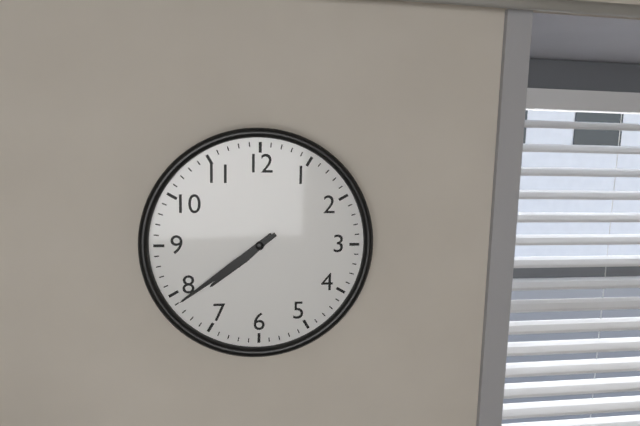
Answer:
7 h 39 min
